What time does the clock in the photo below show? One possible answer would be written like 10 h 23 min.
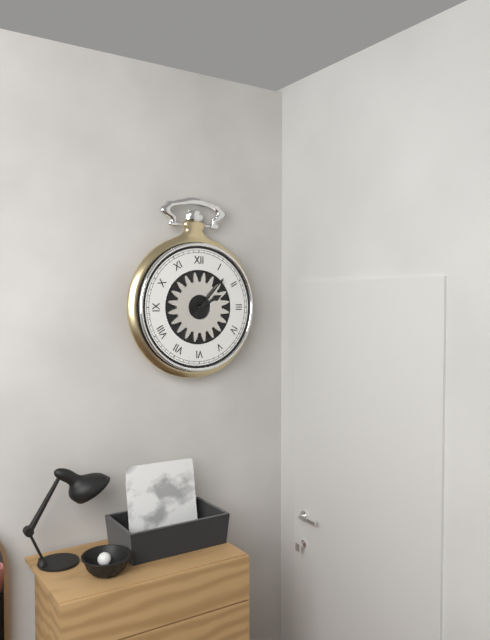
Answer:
2 h 07 min
